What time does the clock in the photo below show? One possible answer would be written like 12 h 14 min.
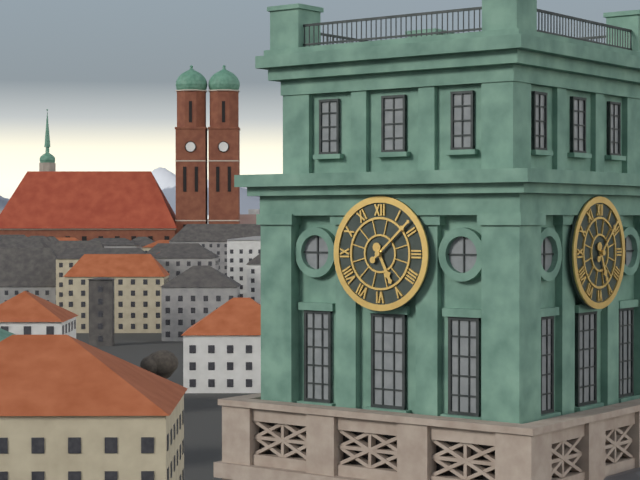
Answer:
5 h 08 min
